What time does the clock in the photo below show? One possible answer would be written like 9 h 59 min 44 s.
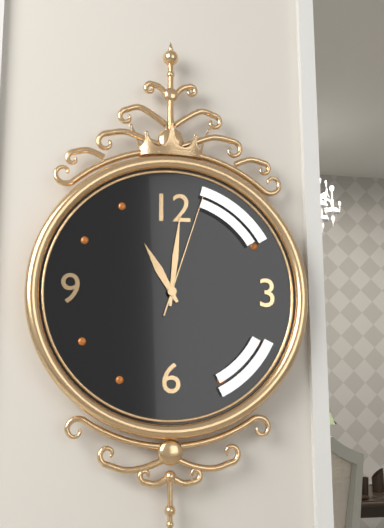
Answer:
11 h 01 min 03 s
